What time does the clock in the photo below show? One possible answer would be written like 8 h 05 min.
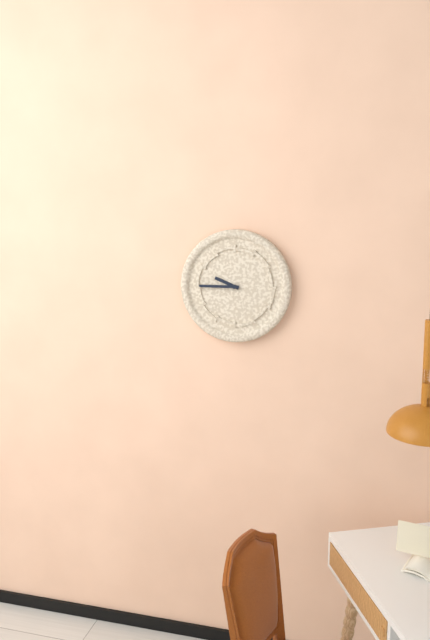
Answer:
9 h 45 min
